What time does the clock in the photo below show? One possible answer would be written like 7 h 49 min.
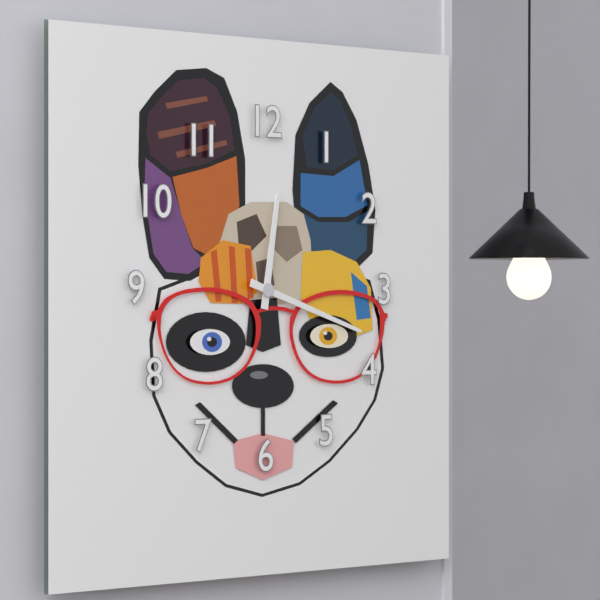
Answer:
12 h 18 min
